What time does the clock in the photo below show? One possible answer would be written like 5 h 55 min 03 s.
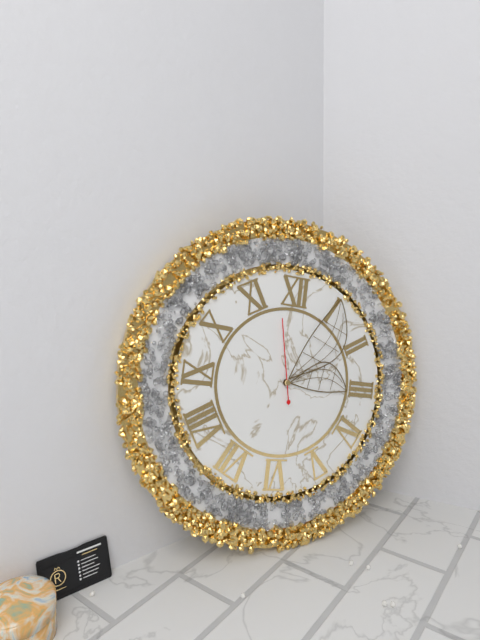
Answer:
3 h 05 min 58 s
